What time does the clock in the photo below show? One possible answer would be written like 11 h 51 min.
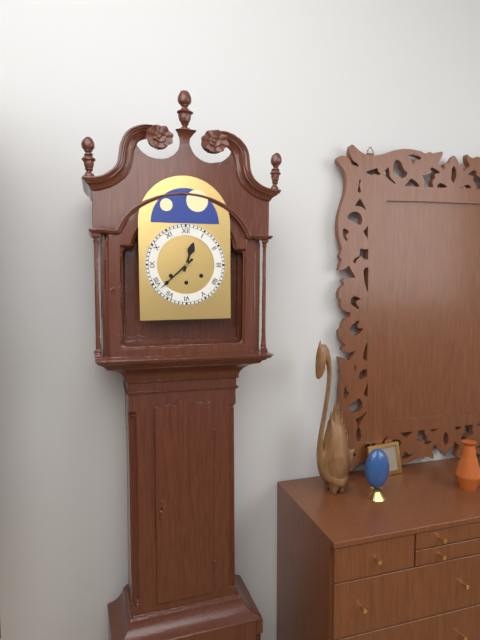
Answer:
12 h 38 min
